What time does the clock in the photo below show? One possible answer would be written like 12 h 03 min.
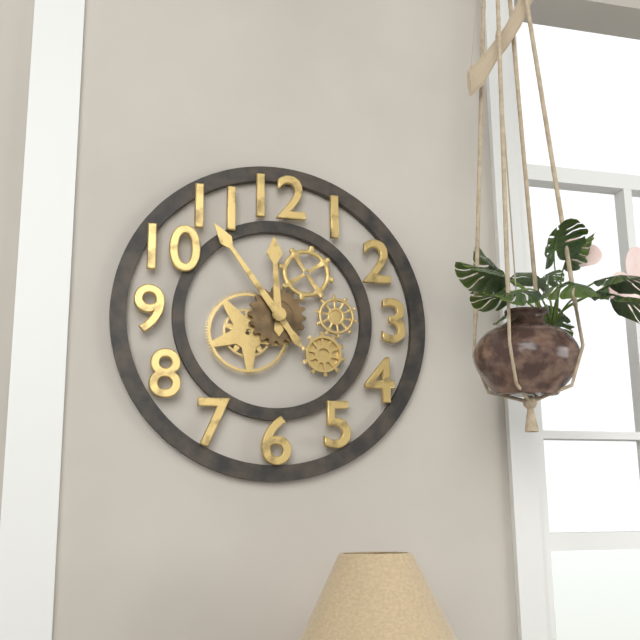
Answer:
11 h 54 min
